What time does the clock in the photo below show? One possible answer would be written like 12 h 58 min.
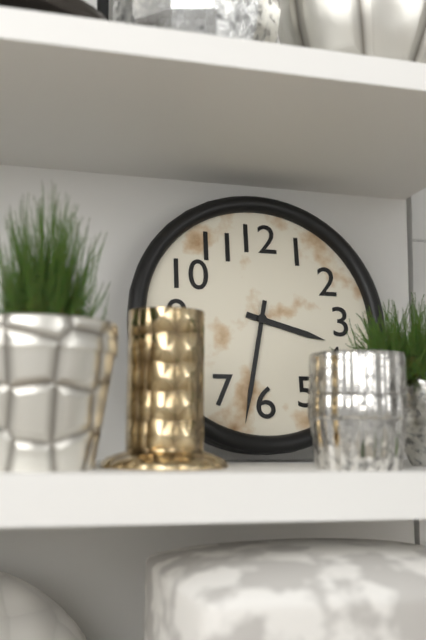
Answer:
3 h 32 min
